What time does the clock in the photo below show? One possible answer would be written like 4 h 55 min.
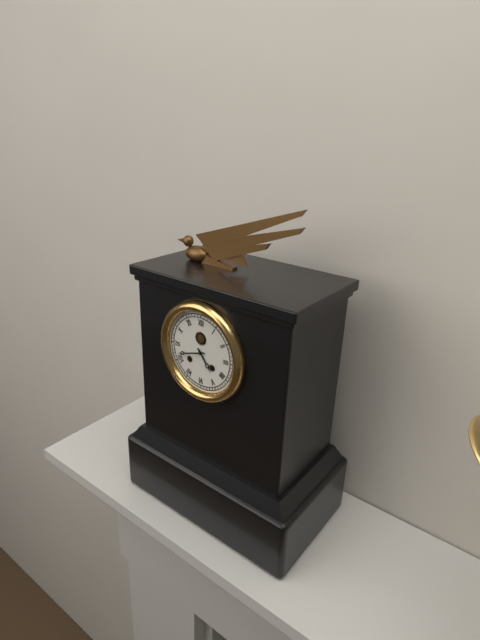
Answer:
4 h 42 min
